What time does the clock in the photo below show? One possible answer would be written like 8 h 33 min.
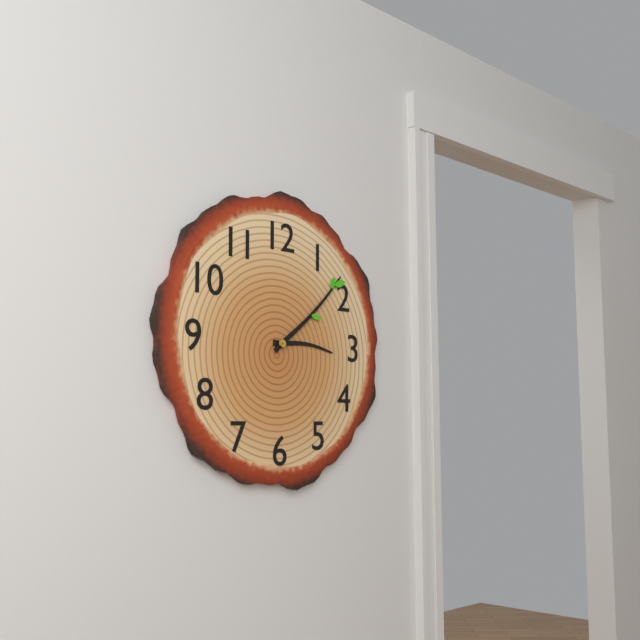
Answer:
3 h 08 min
